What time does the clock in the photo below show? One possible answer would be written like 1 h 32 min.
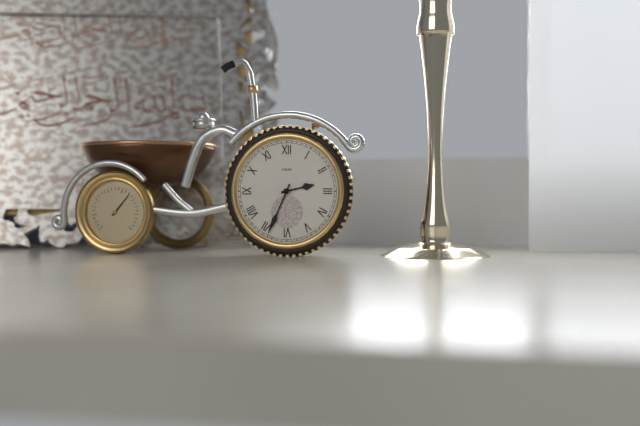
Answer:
2 h 34 min
